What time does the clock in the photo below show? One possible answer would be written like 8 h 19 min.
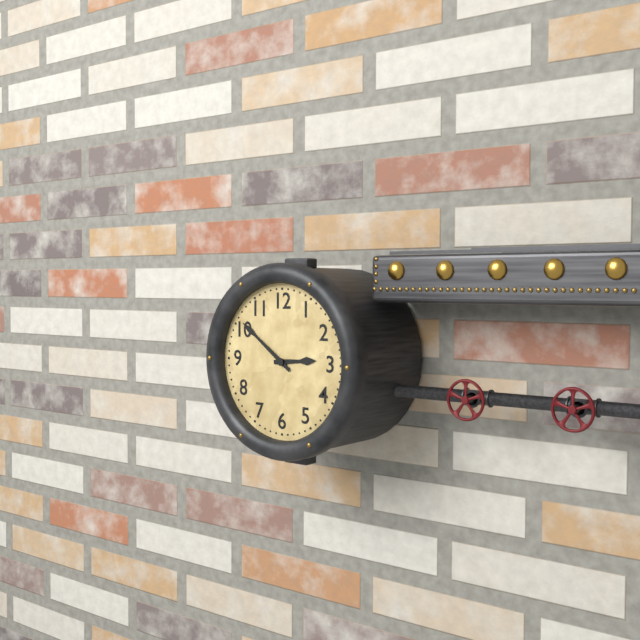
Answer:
2 h 51 min
